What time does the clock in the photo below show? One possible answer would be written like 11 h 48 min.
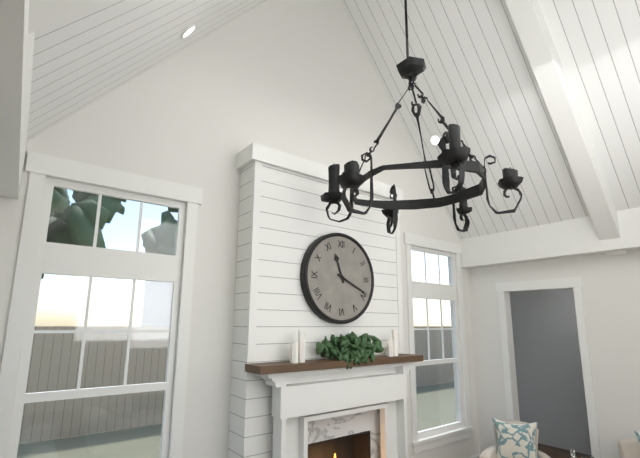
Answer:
11 h 19 min
